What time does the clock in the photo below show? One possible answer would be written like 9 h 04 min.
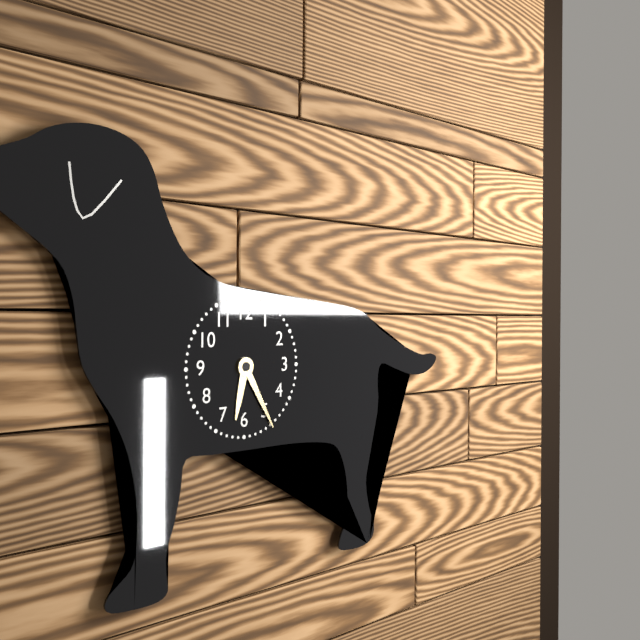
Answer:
6 h 25 min
